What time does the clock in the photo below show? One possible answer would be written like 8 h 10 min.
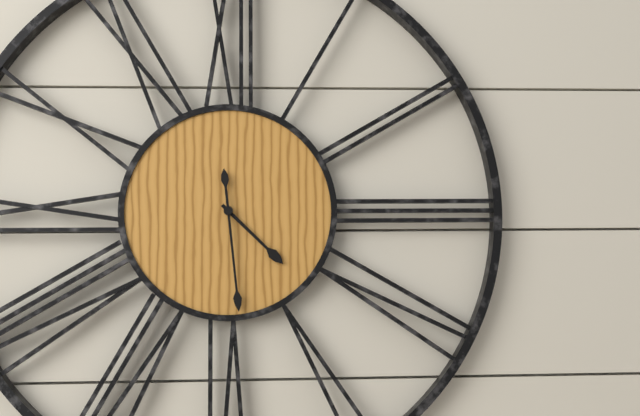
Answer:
4 h 29 min
